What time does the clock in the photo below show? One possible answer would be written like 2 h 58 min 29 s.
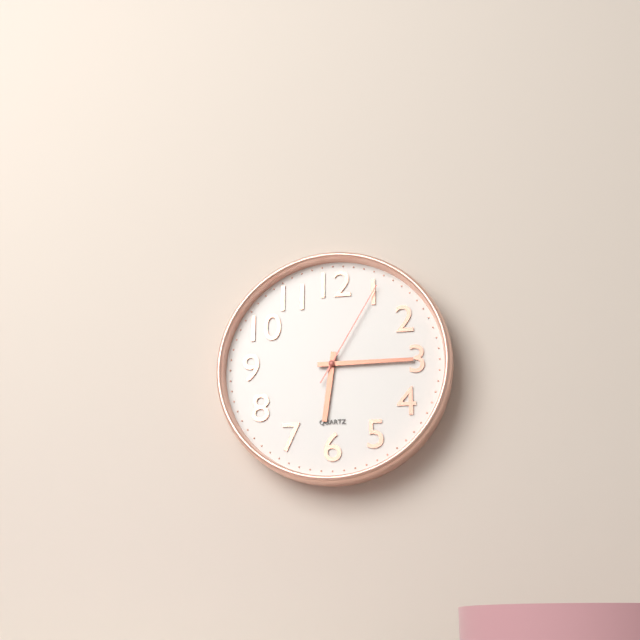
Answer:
6 h 15 min 05 s
